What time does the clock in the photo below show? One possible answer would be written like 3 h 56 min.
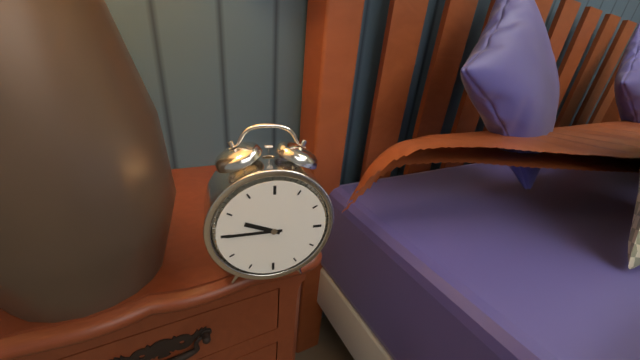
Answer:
9 h 45 min
